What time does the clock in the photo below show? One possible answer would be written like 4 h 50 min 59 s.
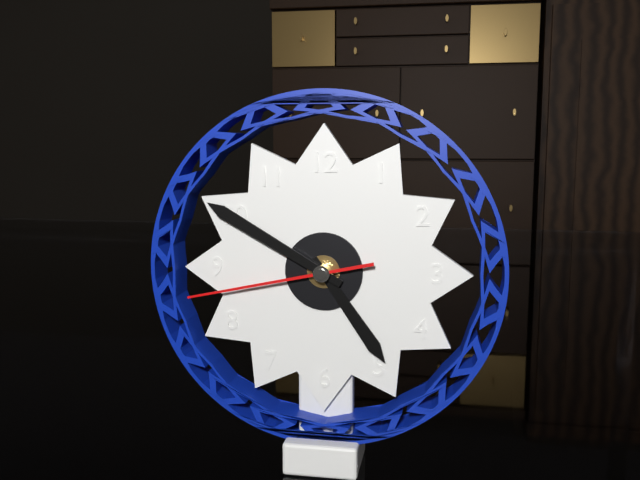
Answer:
4 h 50 min 43 s
